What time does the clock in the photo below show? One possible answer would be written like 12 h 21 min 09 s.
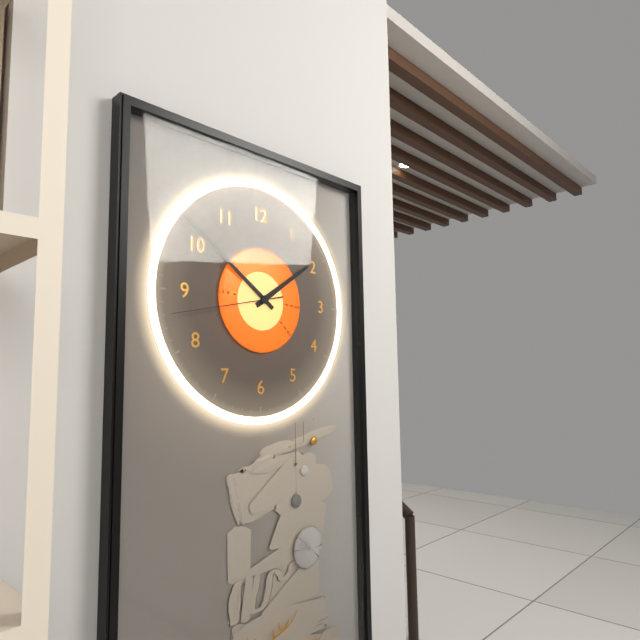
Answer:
1 h 51 min 43 s
